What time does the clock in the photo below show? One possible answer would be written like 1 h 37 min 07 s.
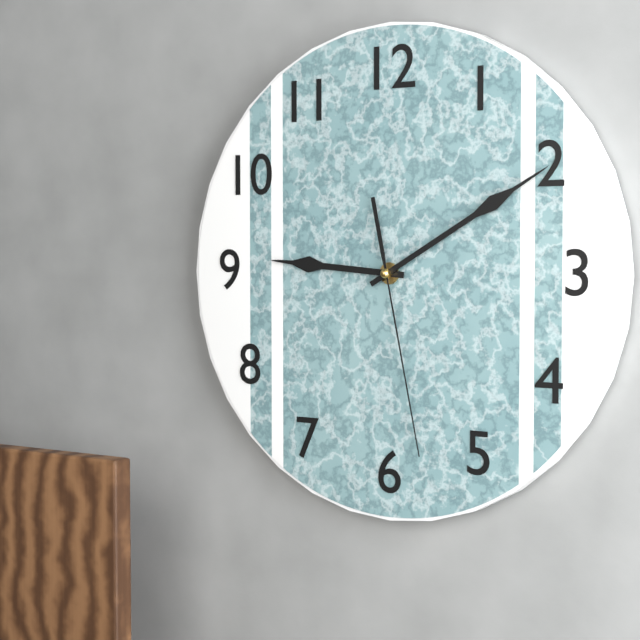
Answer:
9 h 10 min 28 s
